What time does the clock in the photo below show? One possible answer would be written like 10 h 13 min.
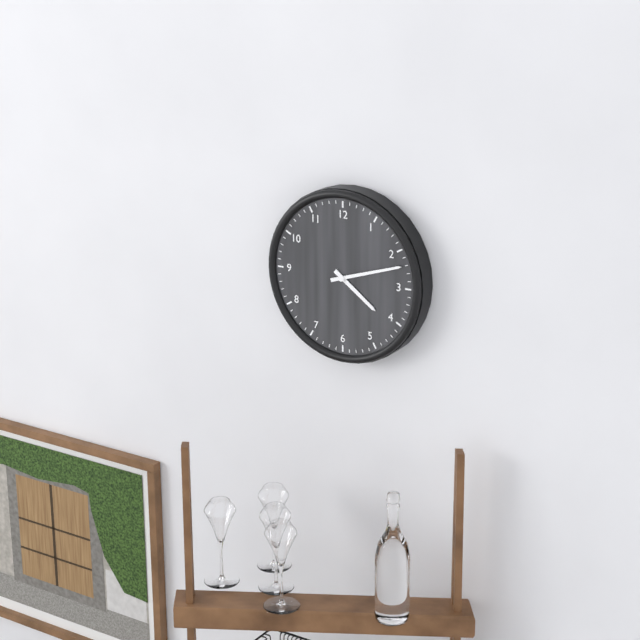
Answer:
4 h 12 min
